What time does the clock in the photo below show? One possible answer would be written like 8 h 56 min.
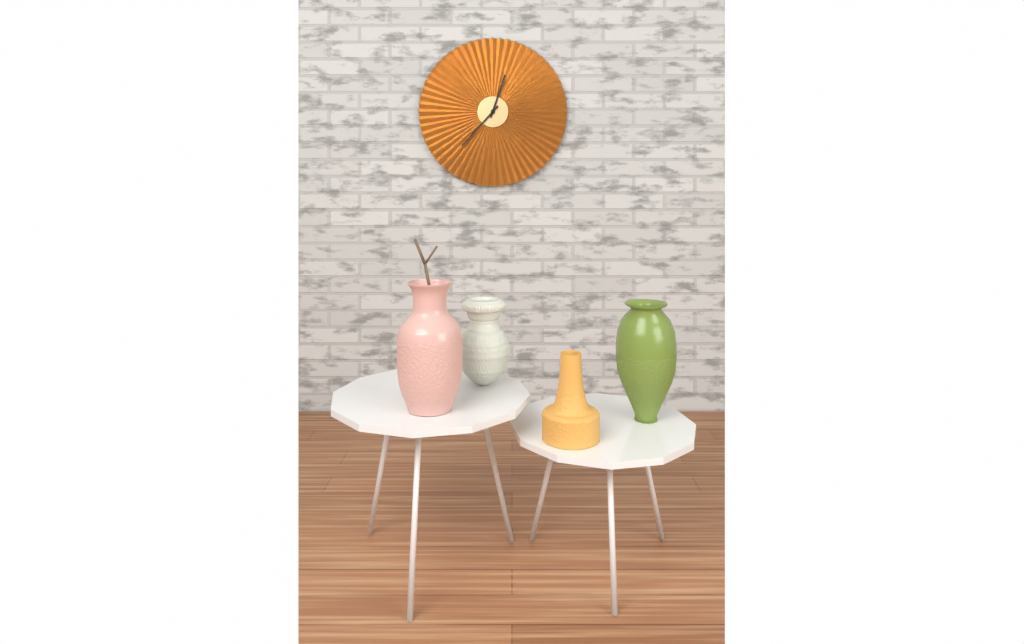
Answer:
12 h 37 min
